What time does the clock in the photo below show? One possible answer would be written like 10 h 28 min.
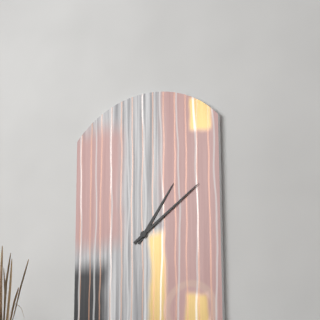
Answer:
1 h 09 min
